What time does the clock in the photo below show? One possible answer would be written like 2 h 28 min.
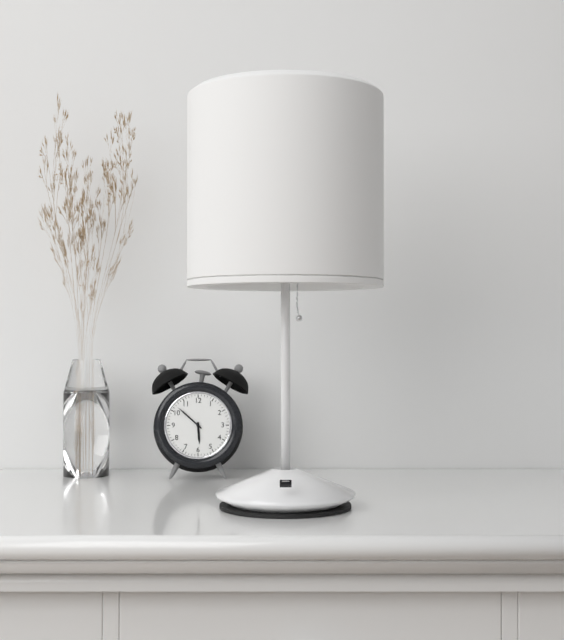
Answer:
5 h 52 min
